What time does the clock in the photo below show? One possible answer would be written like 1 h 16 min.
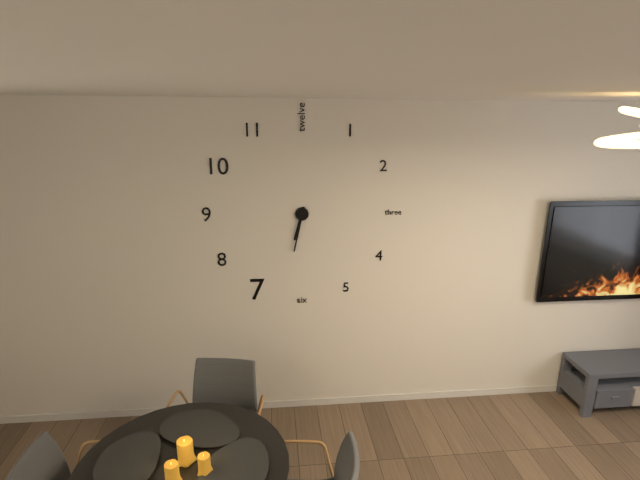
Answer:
6 h 32 min
